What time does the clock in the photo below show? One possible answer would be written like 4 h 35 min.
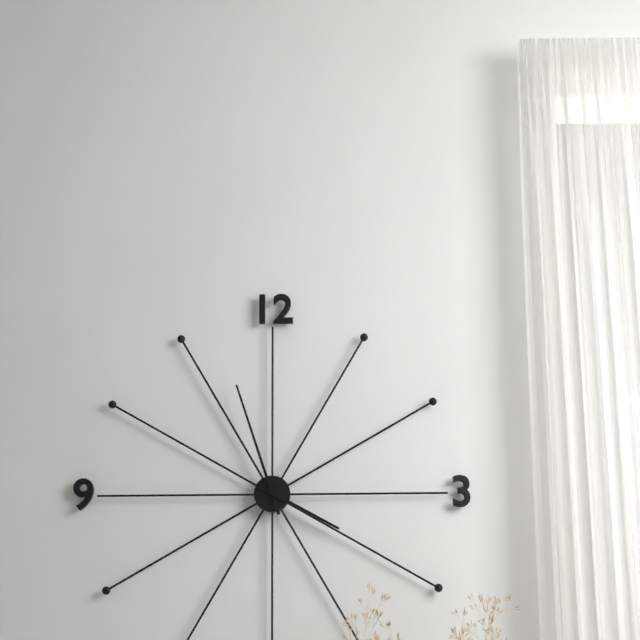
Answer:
3 h 57 min
